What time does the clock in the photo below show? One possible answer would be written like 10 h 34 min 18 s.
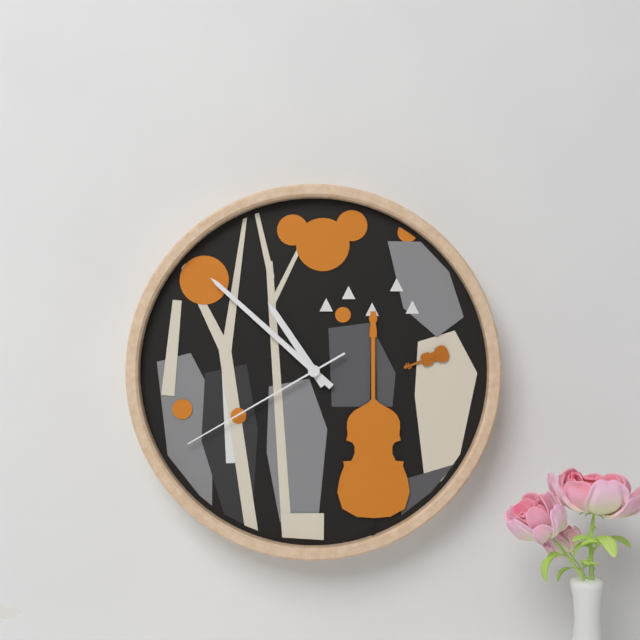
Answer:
10 h 52 min 40 s
